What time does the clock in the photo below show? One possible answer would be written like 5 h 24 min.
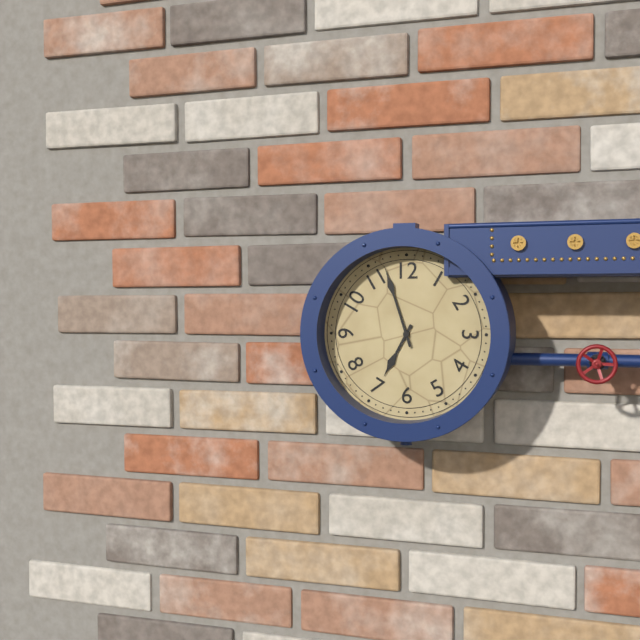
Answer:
6 h 57 min
